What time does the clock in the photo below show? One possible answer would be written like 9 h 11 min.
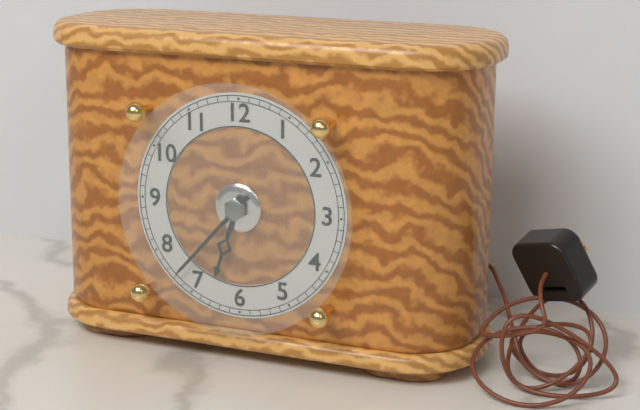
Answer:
6 h 37 min
